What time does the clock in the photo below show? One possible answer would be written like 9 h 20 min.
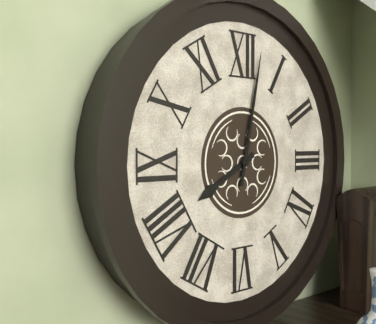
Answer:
8 h 02 min
